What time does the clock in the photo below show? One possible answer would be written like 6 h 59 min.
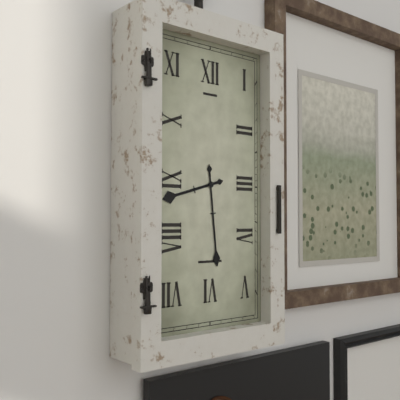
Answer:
8 h 29 min
